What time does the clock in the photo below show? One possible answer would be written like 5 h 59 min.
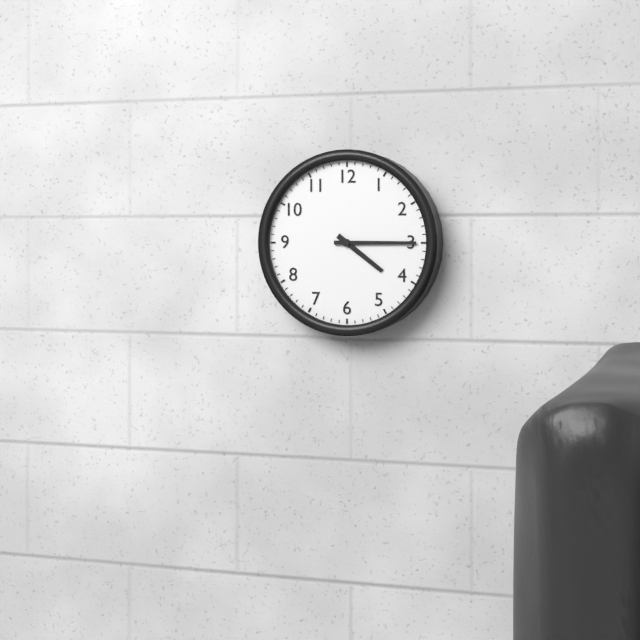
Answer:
4 h 15 min
